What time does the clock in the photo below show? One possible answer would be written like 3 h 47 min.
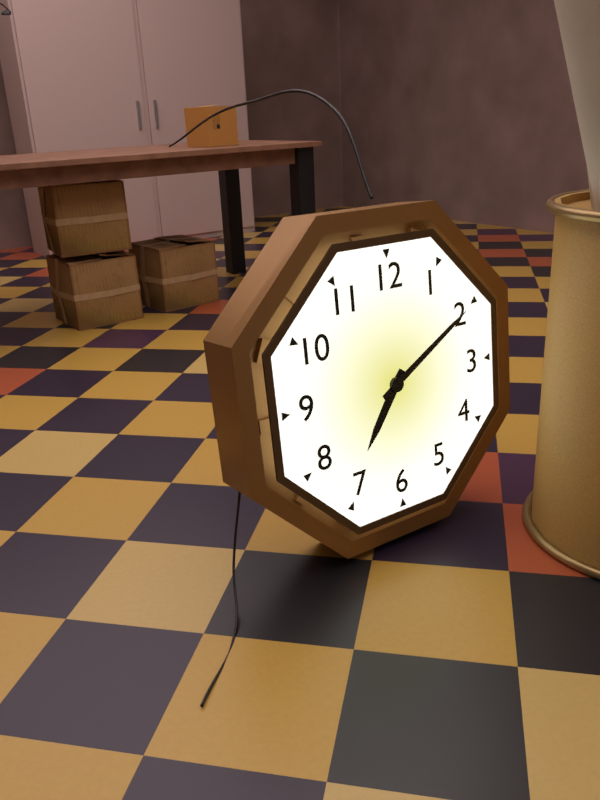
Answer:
7 h 10 min
